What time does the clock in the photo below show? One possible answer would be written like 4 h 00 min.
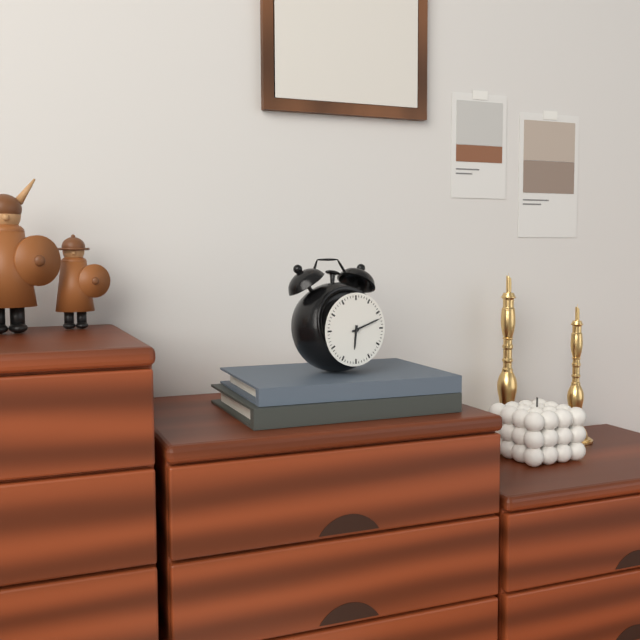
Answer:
6 h 12 min
